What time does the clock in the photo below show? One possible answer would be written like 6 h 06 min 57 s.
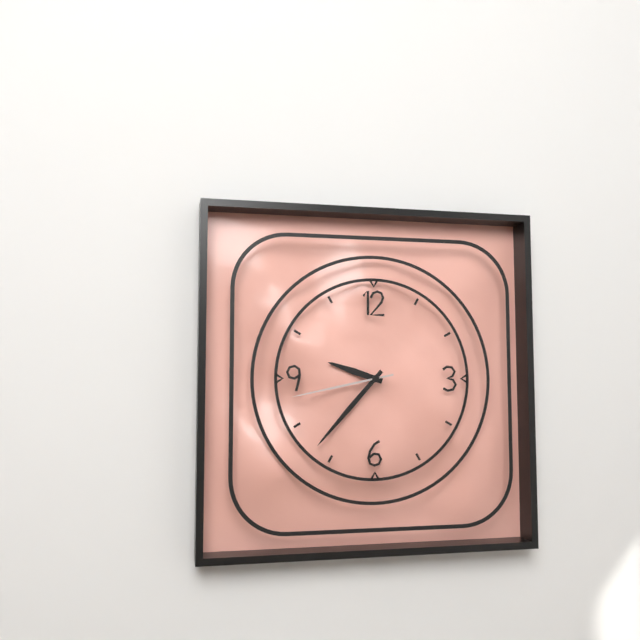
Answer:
9 h 37 min 43 s
